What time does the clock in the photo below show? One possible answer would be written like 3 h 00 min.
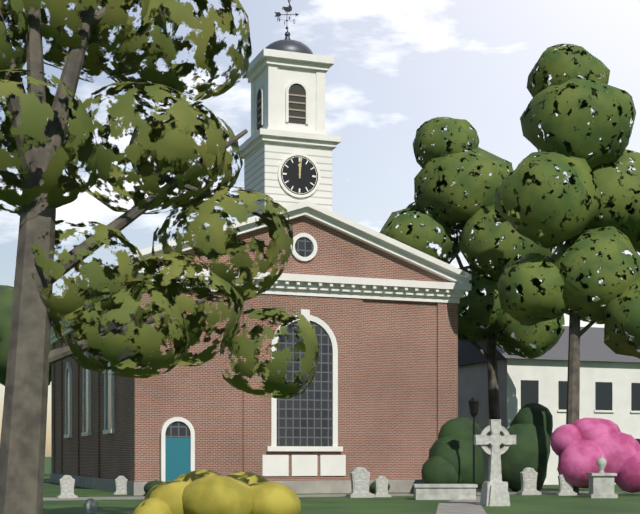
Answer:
12 h 01 min
